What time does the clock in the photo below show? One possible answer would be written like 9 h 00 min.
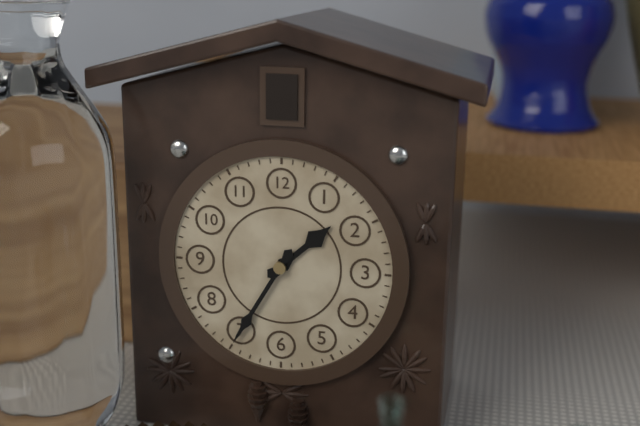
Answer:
1 h 35 min
